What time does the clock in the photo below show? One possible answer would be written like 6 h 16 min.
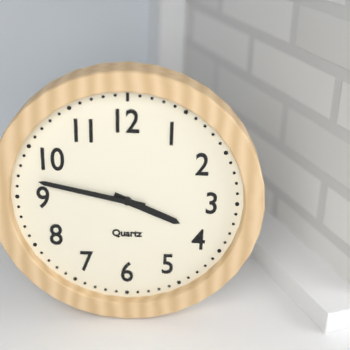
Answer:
3 h 47 min
